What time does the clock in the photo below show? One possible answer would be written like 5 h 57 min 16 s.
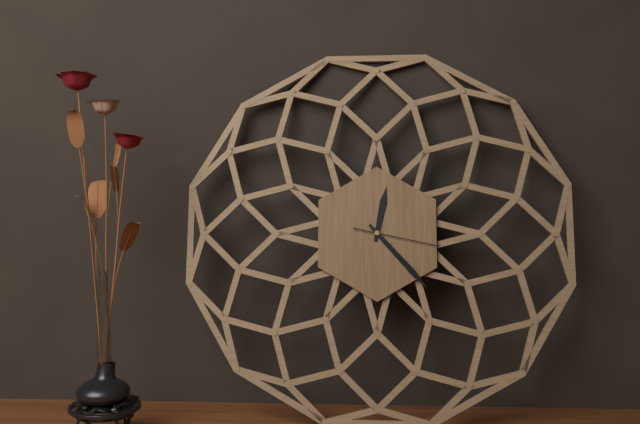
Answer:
12 h 23 min 17 s
